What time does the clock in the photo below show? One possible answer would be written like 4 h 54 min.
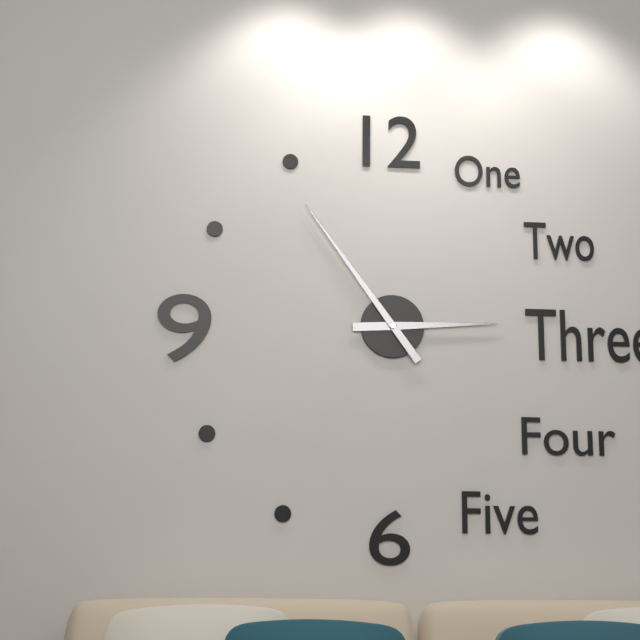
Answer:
2 h 54 min
